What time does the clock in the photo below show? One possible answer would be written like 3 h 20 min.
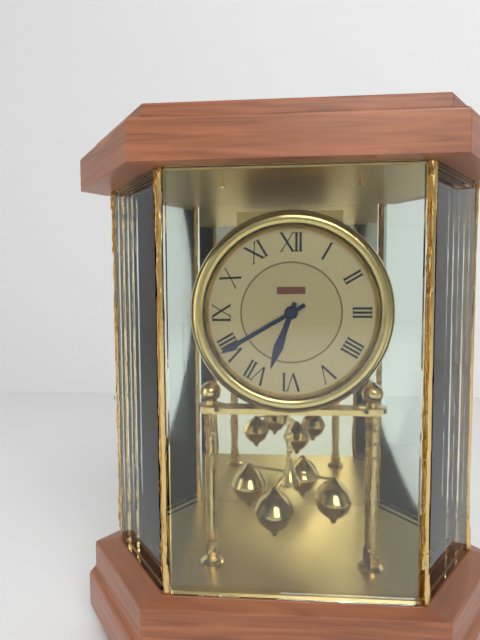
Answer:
6 h 40 min
